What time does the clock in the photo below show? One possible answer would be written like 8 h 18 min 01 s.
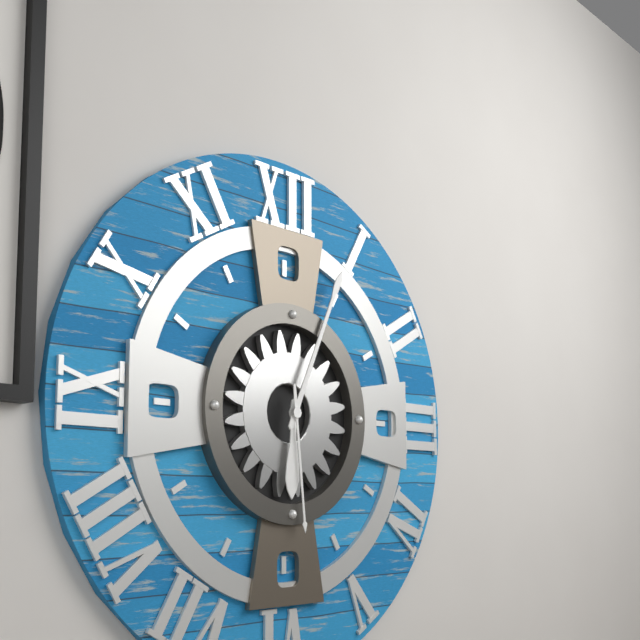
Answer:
6 h 04 min 29 s
